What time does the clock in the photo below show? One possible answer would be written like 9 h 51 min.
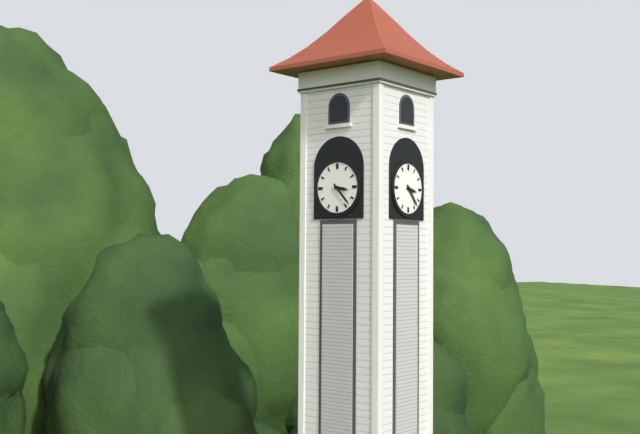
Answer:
3 h 23 min
